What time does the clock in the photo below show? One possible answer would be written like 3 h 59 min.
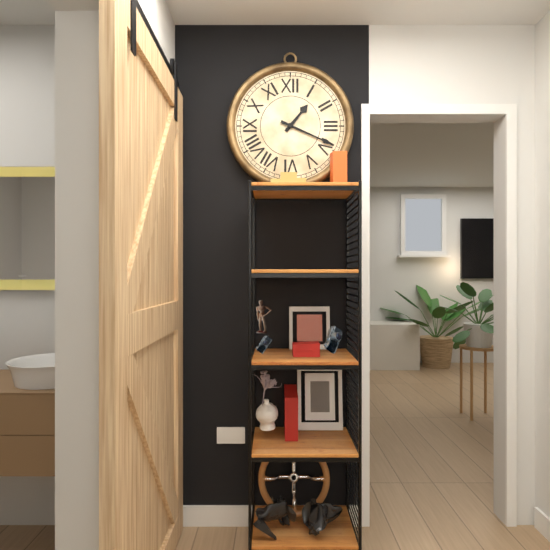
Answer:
1 h 19 min
